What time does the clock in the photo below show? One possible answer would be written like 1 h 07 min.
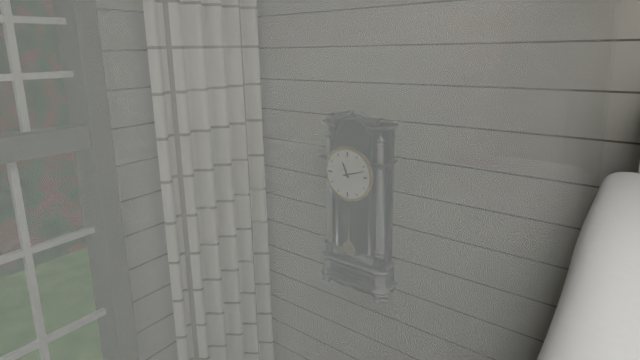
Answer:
11 h 12 min
